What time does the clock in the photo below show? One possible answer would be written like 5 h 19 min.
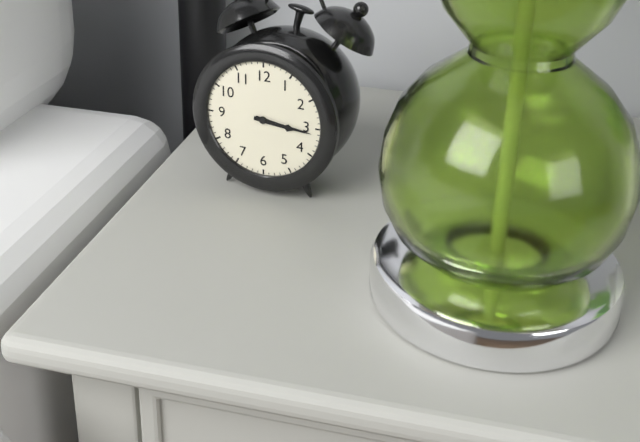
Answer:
3 h 16 min
